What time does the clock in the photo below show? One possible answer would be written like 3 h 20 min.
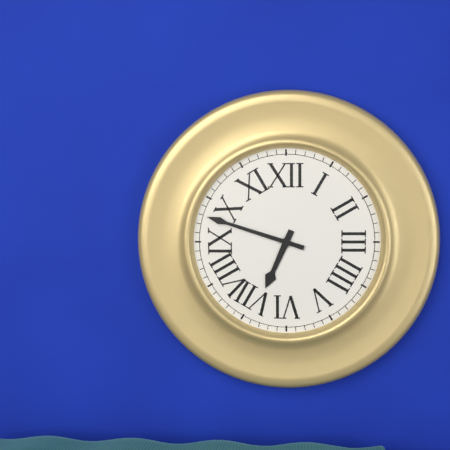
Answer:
6 h 48 min
